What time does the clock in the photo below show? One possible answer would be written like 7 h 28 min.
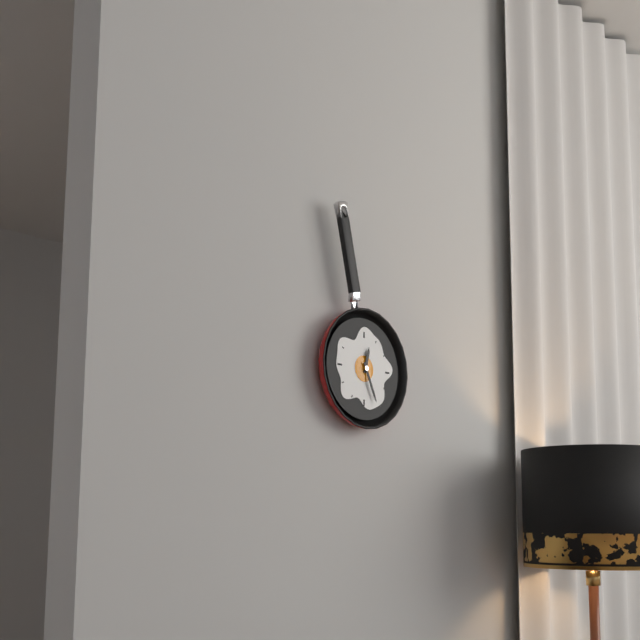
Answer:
12 h 26 min
